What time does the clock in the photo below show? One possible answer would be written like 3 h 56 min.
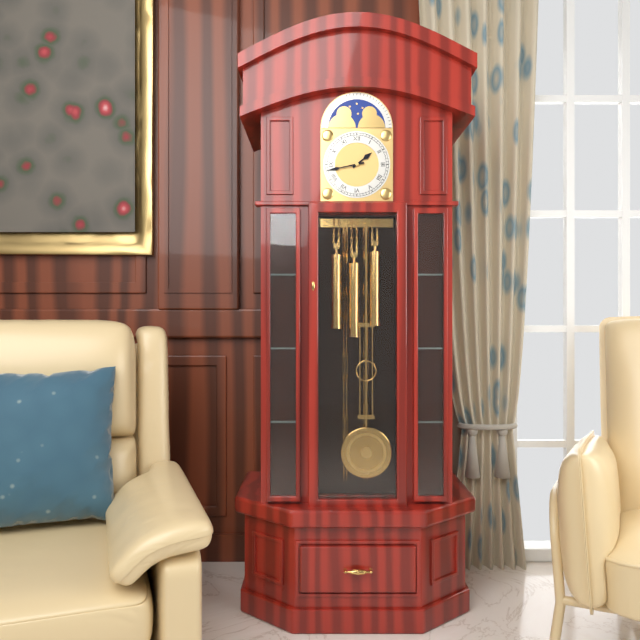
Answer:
1 h 43 min
